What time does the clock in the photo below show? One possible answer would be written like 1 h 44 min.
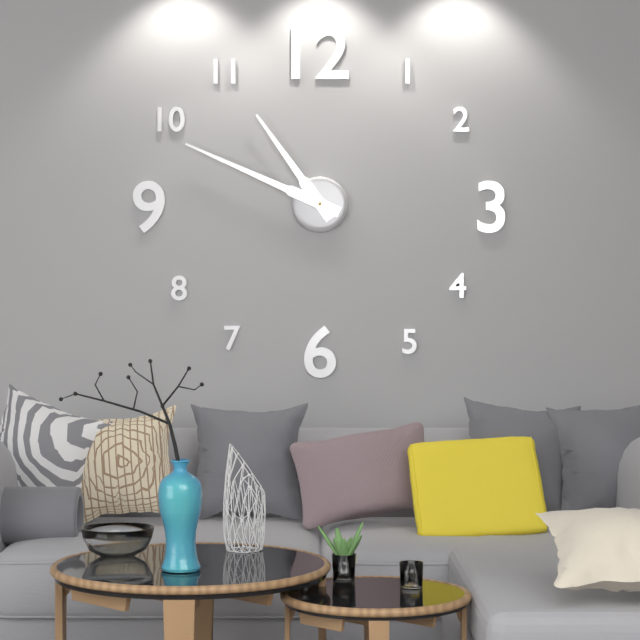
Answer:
10 h 49 min
